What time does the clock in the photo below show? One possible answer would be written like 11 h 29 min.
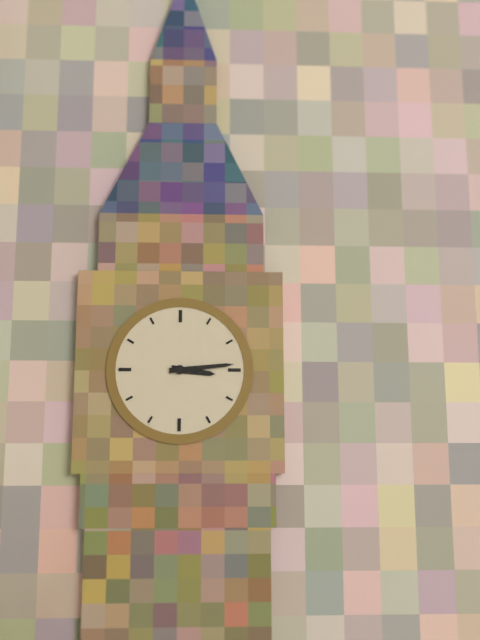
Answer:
3 h 14 min
